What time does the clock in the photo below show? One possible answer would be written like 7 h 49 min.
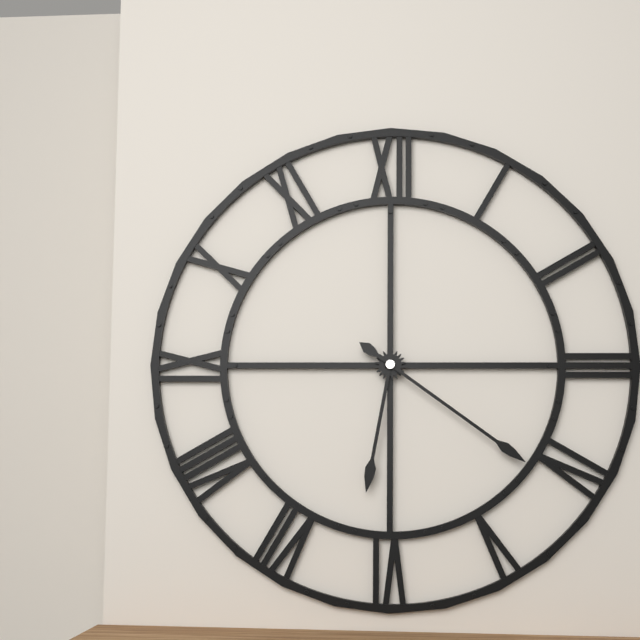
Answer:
6 h 21 min
